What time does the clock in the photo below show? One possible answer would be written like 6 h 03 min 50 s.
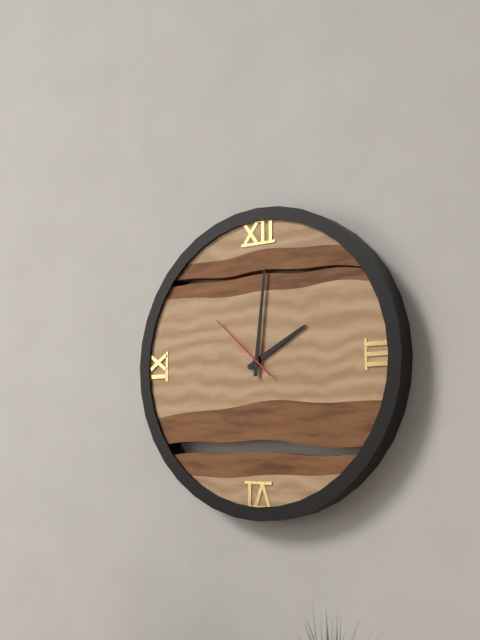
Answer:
2 h 01 min 52 s
